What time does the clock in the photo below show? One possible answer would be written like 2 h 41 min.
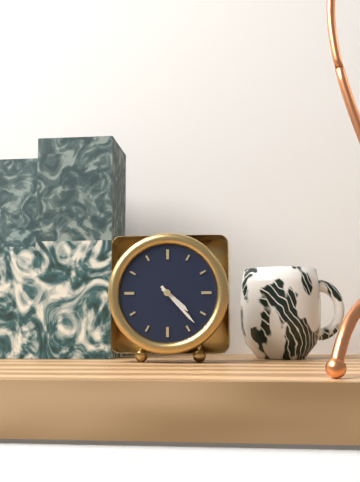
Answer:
4 h 23 min
